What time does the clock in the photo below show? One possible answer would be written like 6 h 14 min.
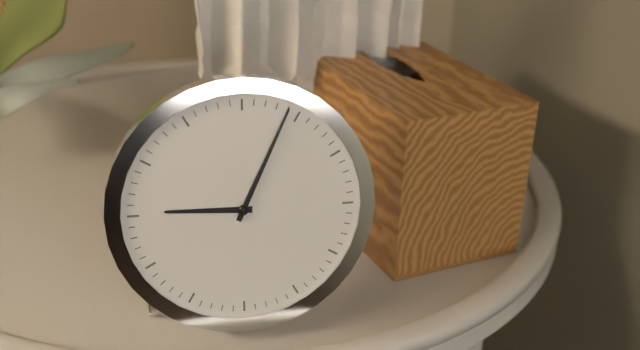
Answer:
9 h 04 min
